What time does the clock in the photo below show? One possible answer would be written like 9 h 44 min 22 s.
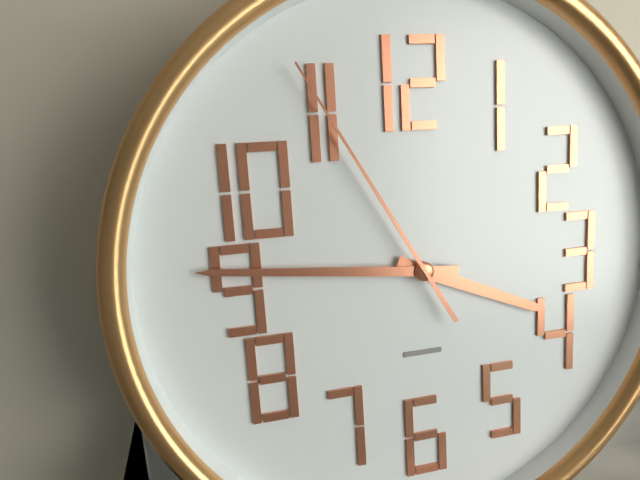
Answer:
3 h 46 min 55 s
